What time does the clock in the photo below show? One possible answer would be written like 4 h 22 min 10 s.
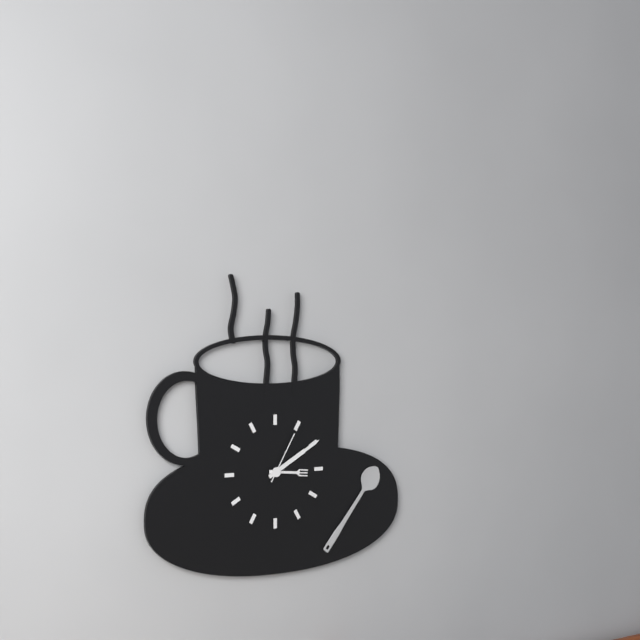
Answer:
3 h 10 min 05 s
